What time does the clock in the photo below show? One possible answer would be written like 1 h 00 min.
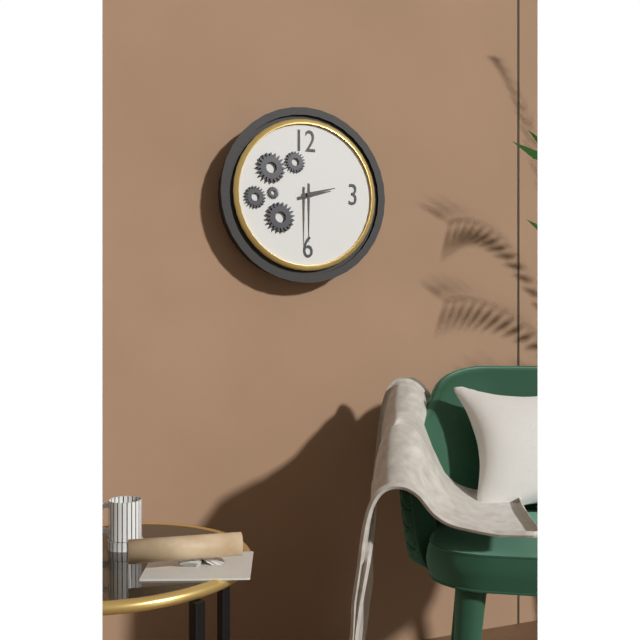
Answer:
2 h 30 min
